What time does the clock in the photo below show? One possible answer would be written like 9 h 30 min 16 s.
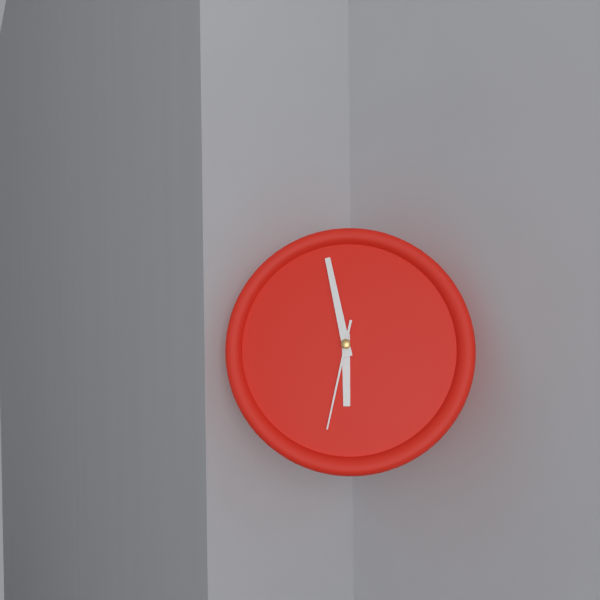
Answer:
5 h 58 min 32 s
